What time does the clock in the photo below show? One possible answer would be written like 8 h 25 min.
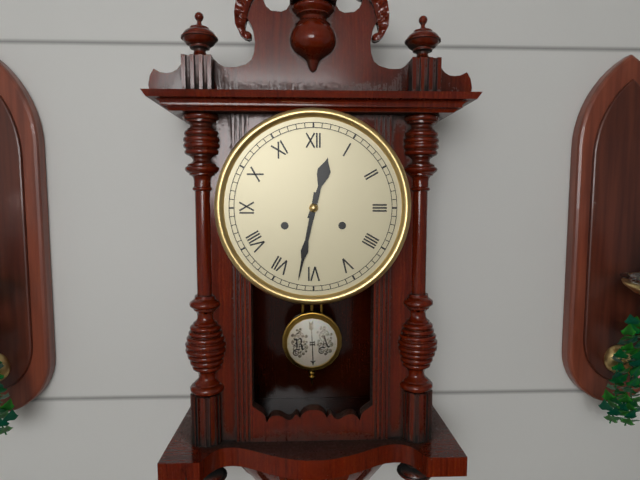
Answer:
12 h 32 min
